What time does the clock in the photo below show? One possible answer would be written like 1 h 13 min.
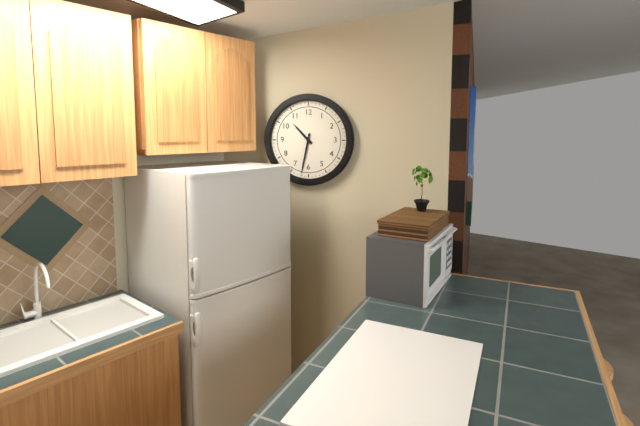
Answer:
10 h 32 min
